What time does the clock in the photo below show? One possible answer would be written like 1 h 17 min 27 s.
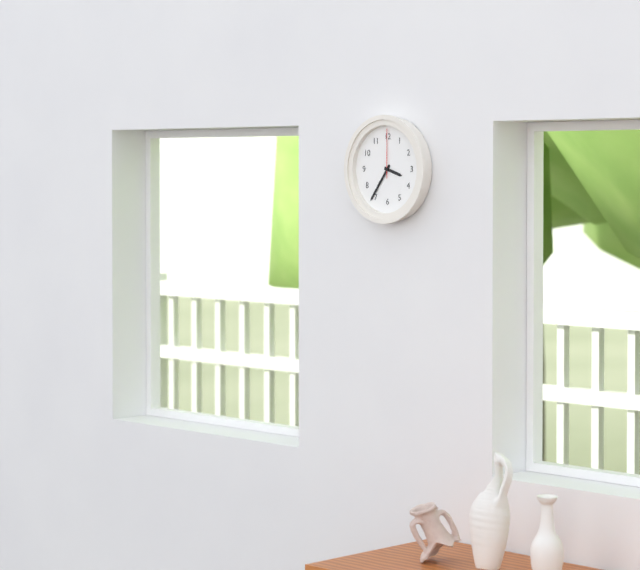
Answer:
3 h 36 min 00 s
